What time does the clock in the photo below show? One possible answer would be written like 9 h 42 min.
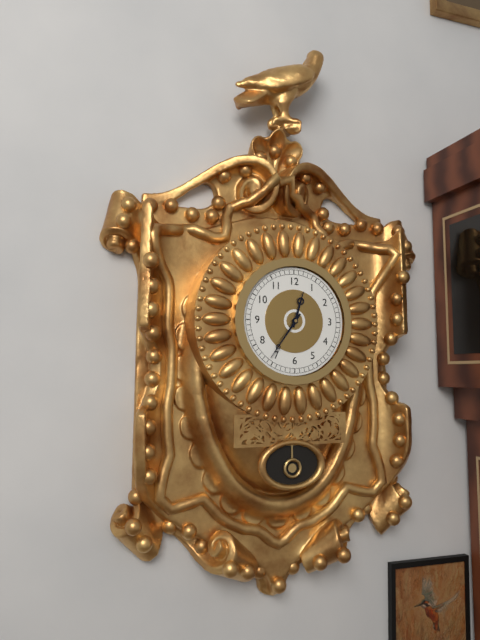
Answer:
12 h 36 min
